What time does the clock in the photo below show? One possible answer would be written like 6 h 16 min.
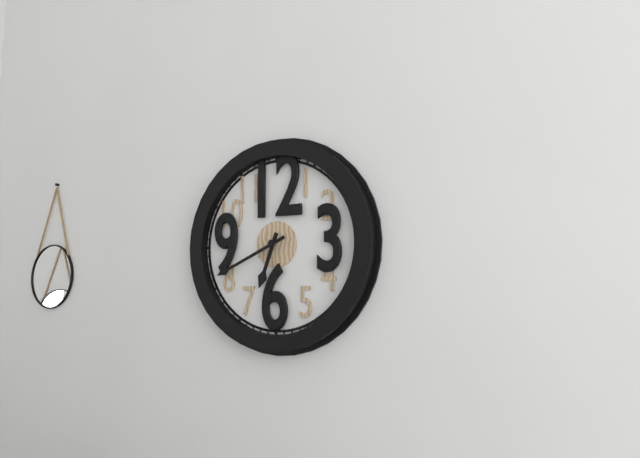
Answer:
6 h 41 min
